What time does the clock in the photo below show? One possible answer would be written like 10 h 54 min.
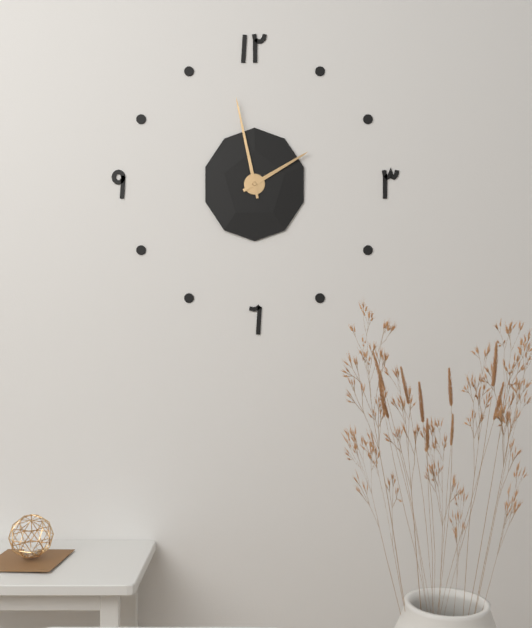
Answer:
1 h 58 min
